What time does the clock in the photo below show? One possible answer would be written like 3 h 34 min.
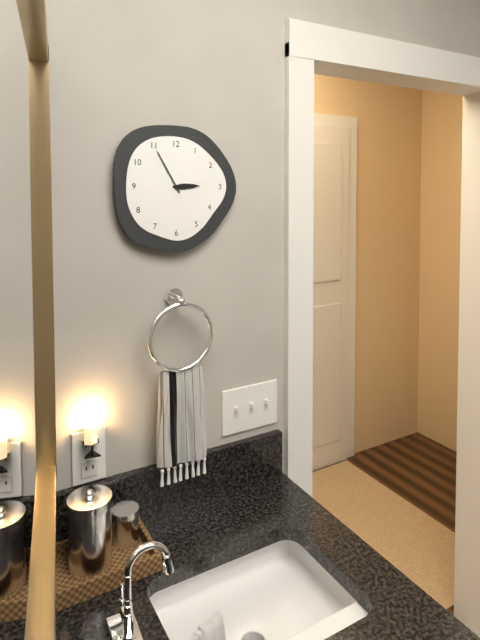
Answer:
2 h 55 min
